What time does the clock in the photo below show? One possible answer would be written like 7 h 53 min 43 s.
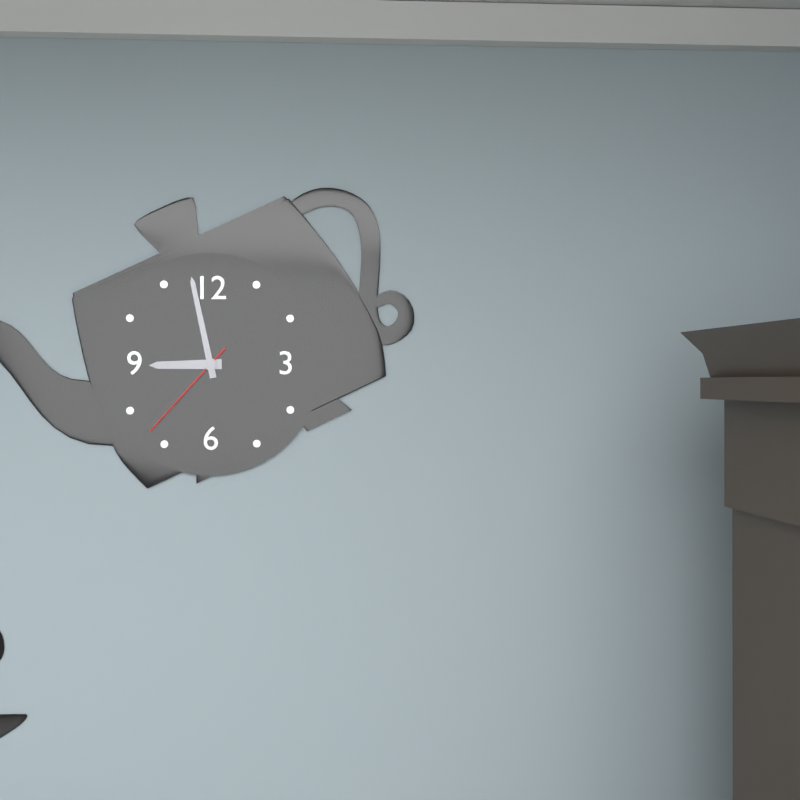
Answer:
8 h 58 min 37 s
